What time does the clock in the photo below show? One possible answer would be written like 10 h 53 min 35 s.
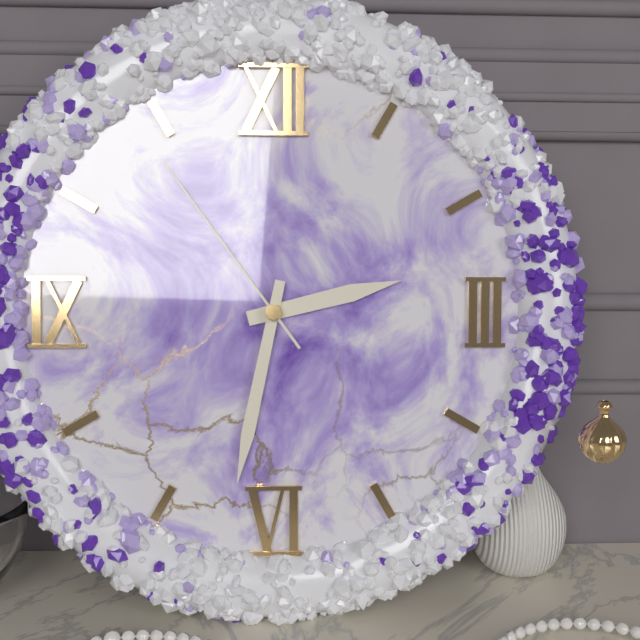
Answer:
2 h 32 min 54 s
